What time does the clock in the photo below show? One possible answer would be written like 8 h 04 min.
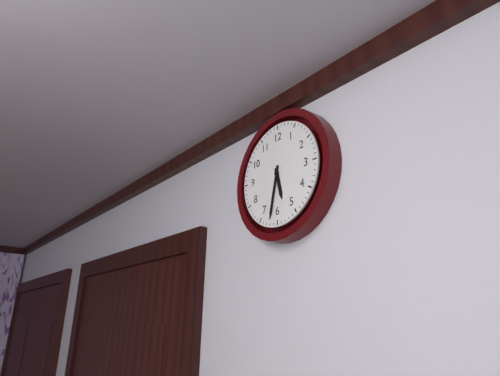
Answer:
5 h 32 min
